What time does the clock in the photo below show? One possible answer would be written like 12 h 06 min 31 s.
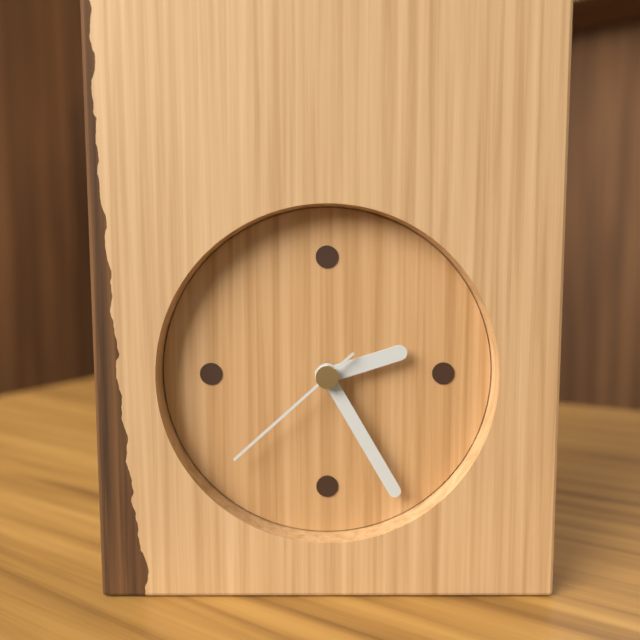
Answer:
2 h 25 min 38 s
